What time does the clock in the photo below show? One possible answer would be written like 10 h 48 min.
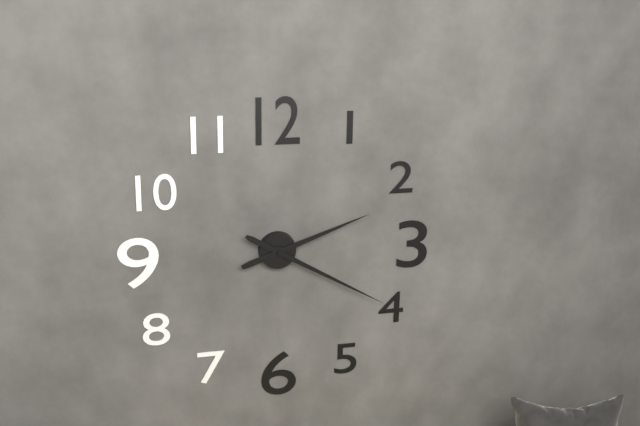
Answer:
2 h 20 min
